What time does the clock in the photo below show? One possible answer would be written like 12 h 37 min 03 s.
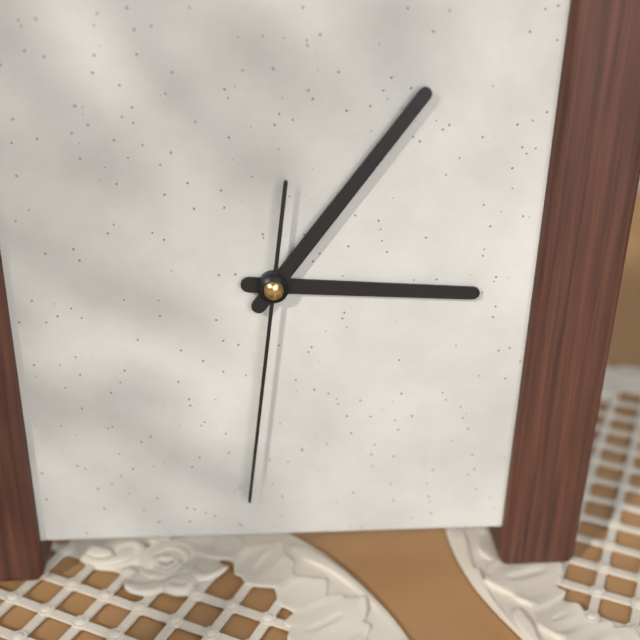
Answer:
3 h 06 min 31 s
